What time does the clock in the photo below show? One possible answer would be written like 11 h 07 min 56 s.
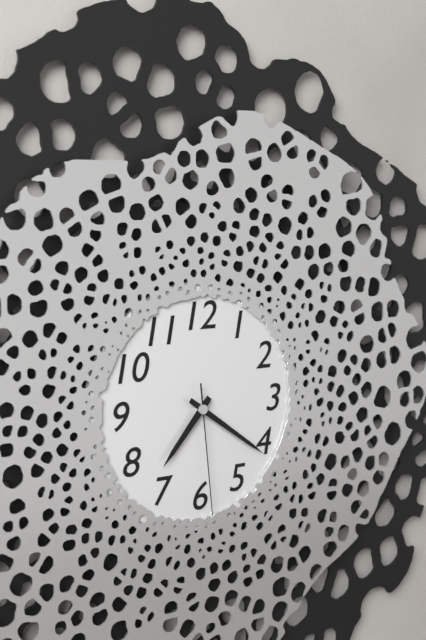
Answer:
7 h 21 min 29 s
